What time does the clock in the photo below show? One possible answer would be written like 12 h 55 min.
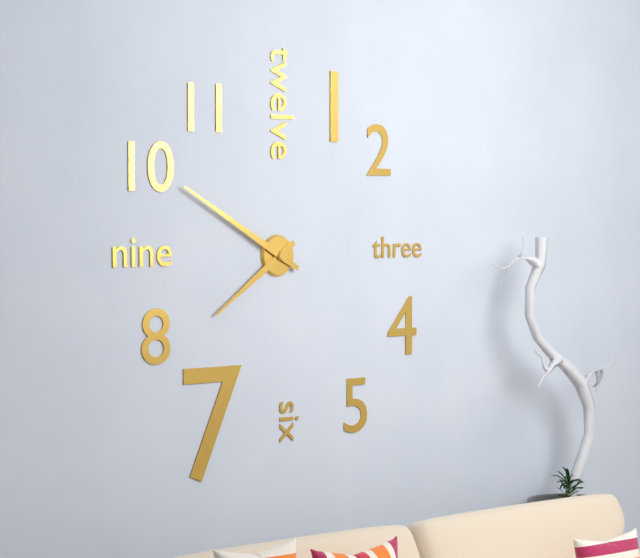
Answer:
7 h 50 min
